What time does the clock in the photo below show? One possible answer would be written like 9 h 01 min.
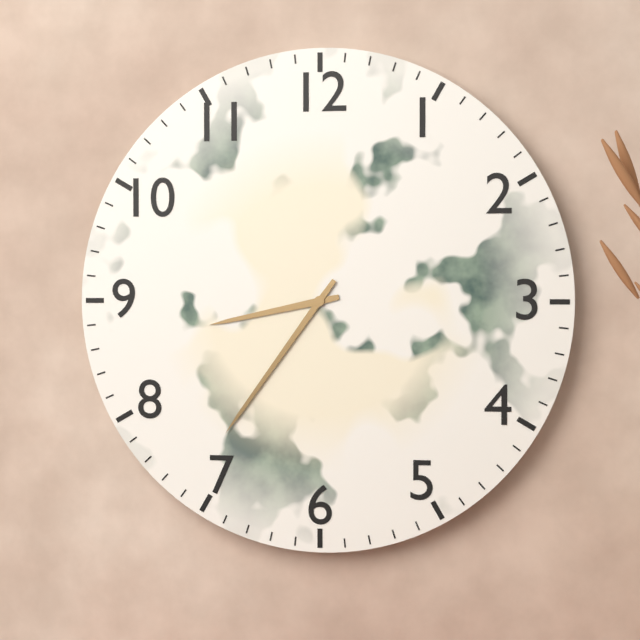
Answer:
8 h 36 min
